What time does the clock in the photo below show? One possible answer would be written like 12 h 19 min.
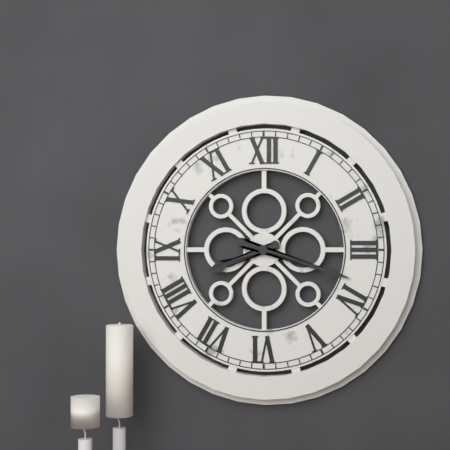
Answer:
8 h 18 min
